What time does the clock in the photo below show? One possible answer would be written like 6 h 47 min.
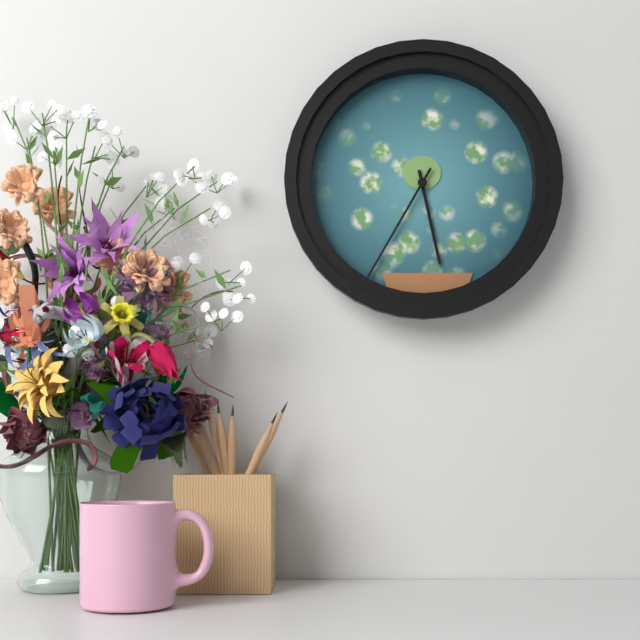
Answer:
5 h 35 min
